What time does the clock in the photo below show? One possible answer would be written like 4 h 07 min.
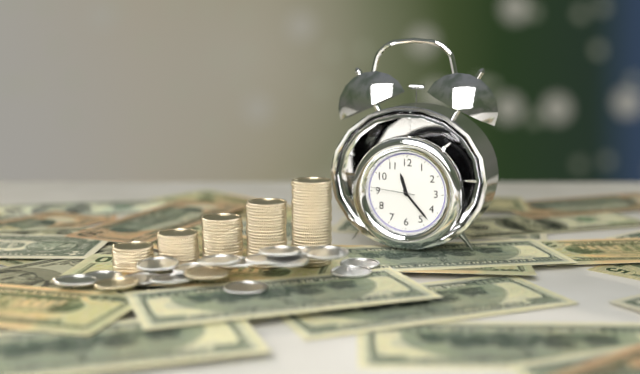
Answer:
11 h 23 min
